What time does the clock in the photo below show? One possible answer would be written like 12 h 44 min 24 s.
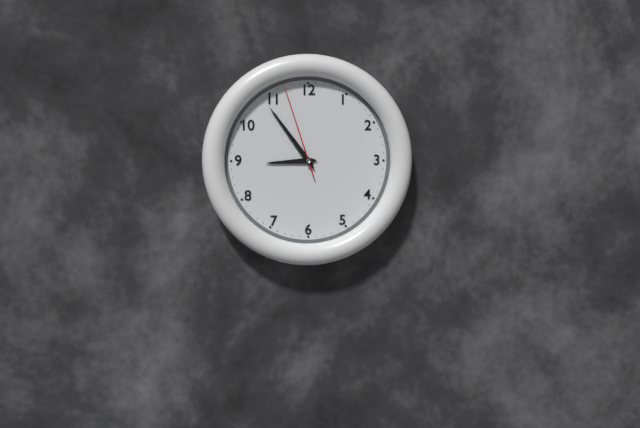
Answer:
8 h 54 min 57 s
